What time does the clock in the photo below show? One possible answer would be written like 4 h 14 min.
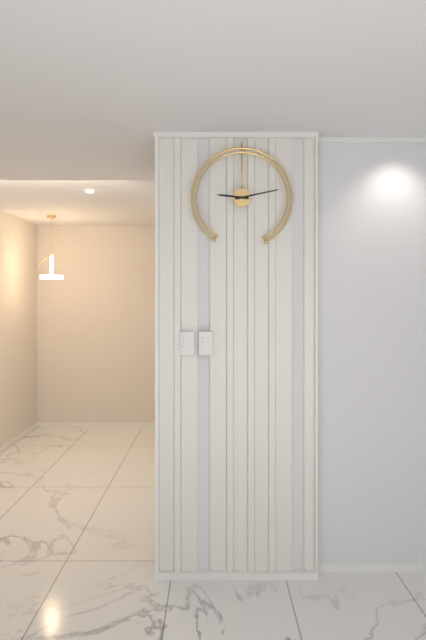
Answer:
9 h 13 min
